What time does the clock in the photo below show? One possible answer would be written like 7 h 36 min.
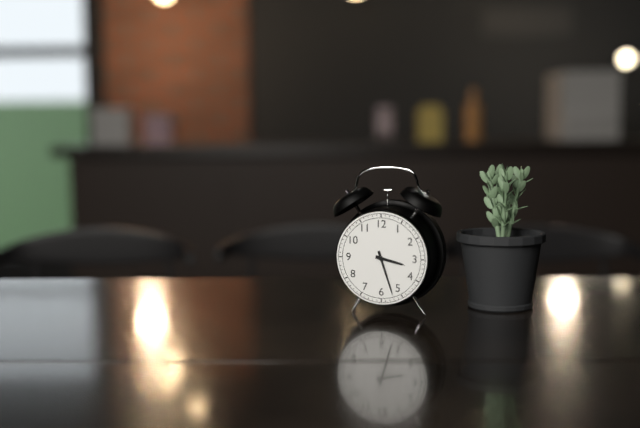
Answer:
3 h 27 min
